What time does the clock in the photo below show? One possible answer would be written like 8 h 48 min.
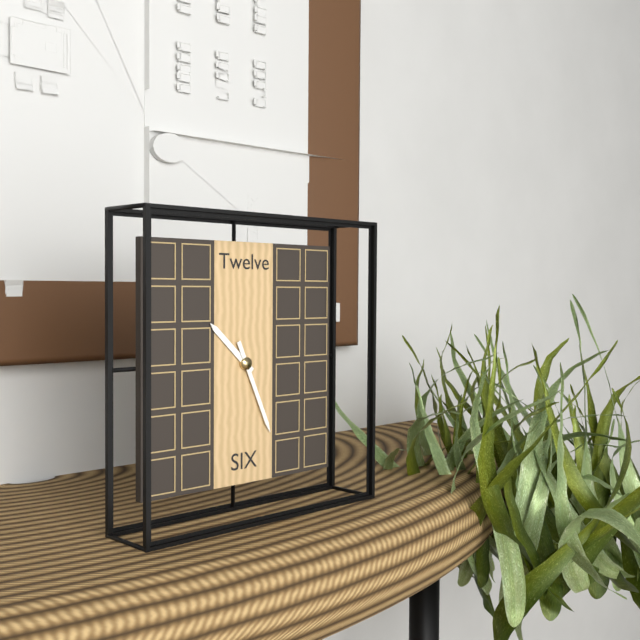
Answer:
10 h 26 min
